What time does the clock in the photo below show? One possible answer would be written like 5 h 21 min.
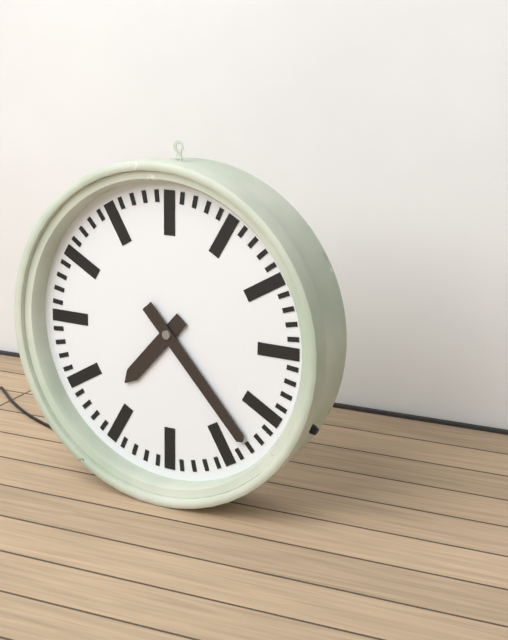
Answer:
7 h 23 min
